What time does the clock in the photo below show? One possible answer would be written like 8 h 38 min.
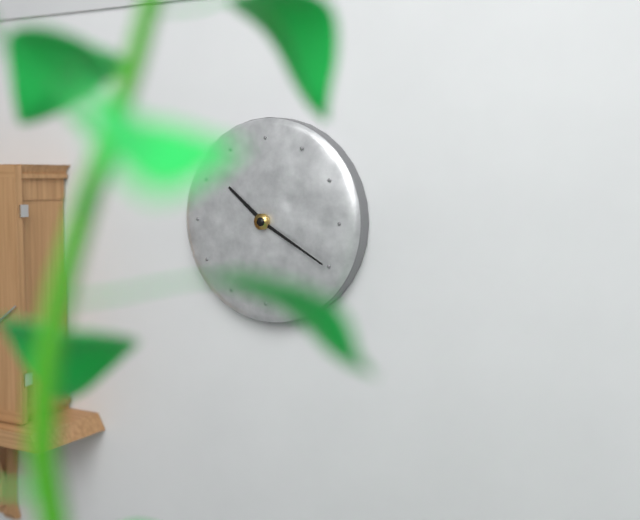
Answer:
10 h 20 min
